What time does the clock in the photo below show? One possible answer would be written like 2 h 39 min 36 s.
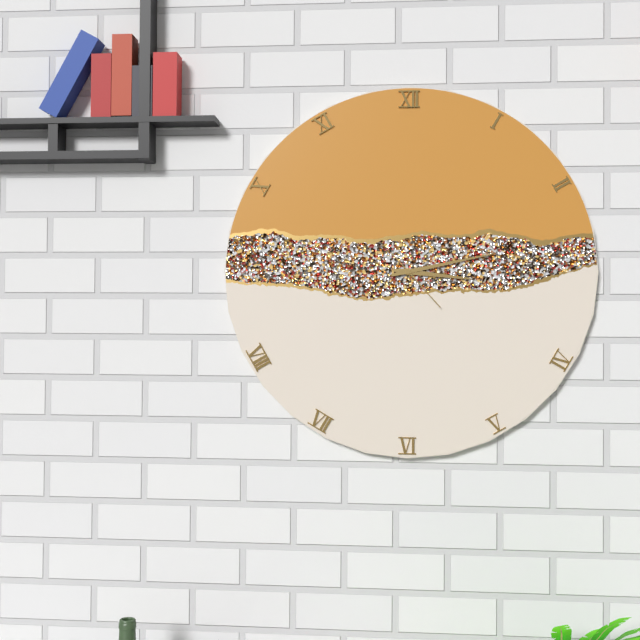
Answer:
3 h 13 min 23 s
